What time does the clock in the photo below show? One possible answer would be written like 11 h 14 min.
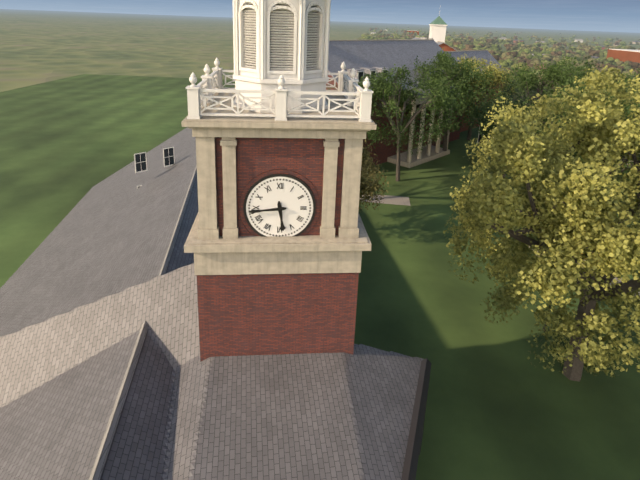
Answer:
5 h 44 min
